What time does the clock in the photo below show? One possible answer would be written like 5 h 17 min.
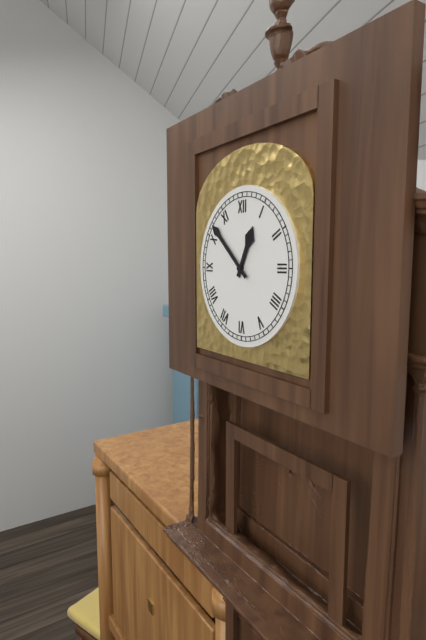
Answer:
12 h 52 min
